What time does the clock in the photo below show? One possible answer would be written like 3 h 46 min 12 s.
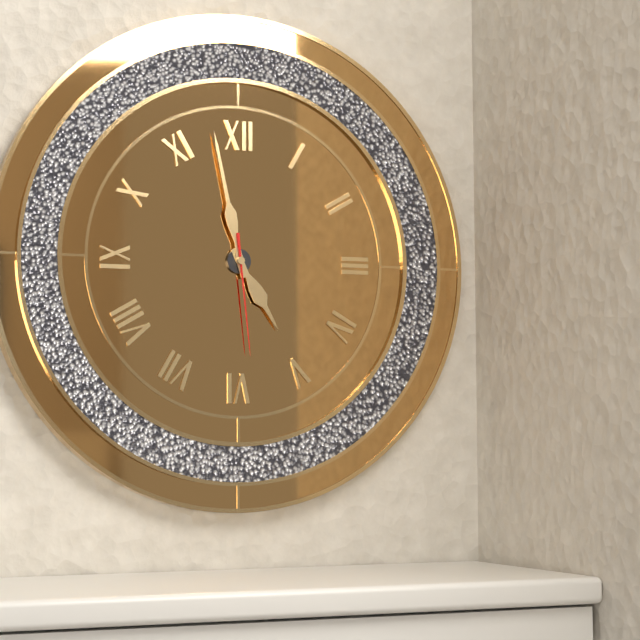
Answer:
4 h 58 min 29 s
